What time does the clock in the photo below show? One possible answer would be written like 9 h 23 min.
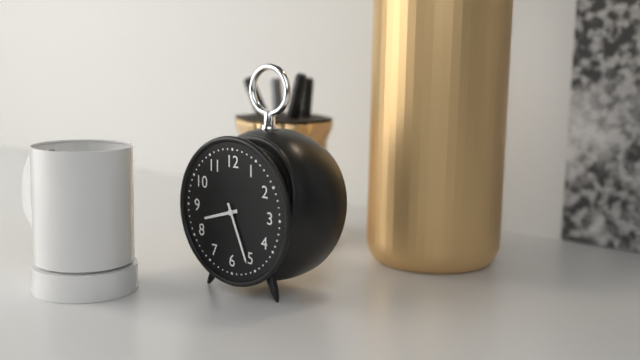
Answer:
8 h 26 min
